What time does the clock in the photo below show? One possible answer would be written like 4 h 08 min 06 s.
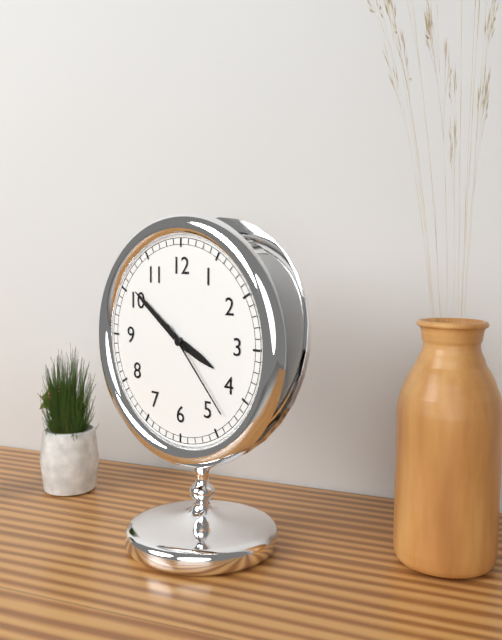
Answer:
3 h 51 min 23 s
